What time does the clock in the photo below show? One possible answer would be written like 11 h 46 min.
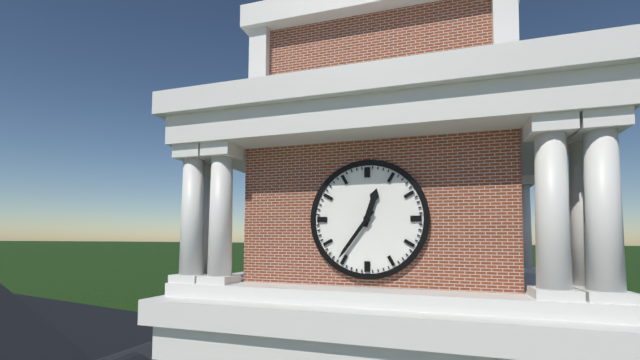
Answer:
12 h 36 min
